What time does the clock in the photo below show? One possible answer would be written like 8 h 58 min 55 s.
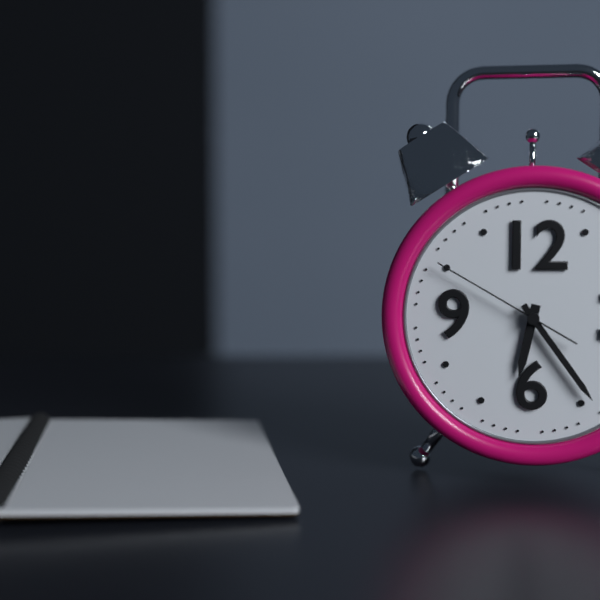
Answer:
6 h 24 min 50 s
